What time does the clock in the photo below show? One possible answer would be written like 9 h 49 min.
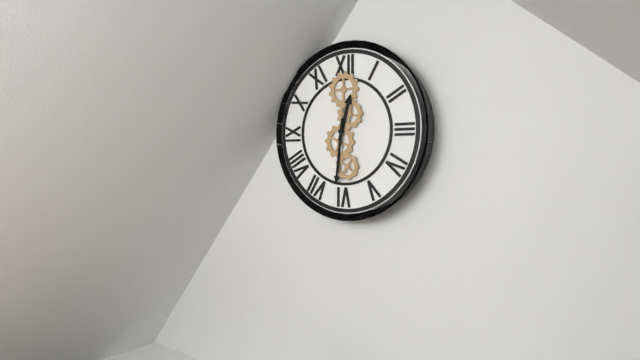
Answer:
12 h 31 min
